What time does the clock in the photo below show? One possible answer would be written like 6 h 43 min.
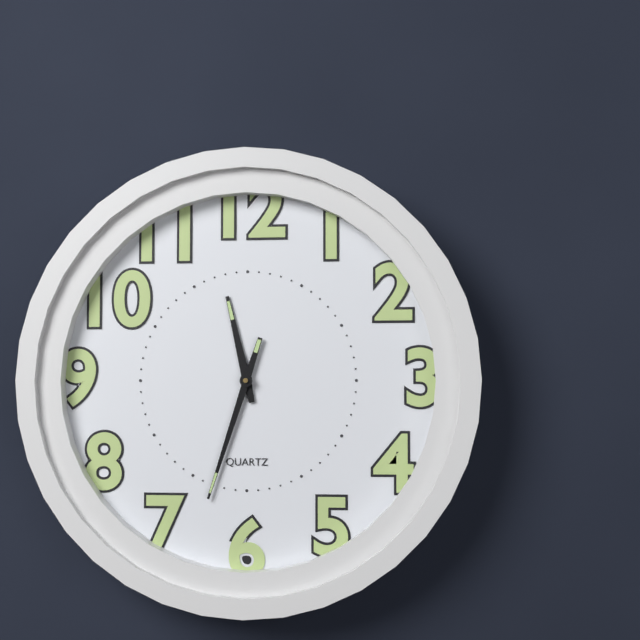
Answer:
11 h 33 min
